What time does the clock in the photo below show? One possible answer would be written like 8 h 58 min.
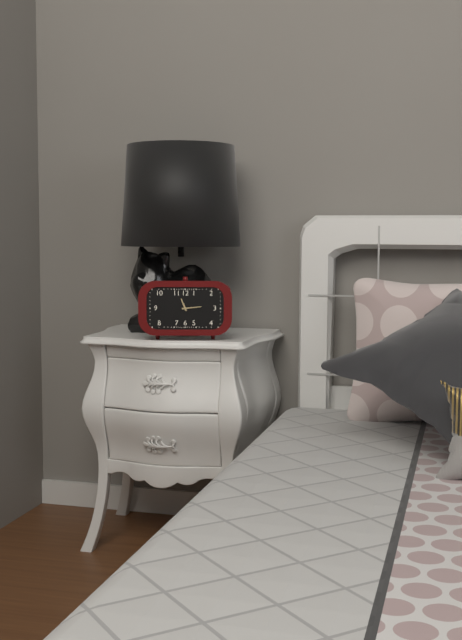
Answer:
11 h 14 min
